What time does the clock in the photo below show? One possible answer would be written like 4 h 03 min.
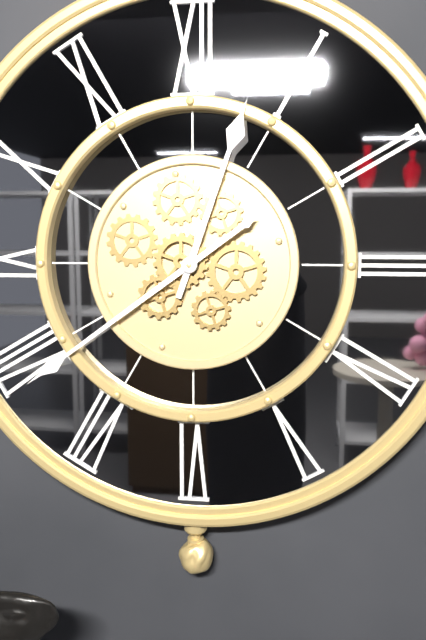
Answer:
12 h 39 min
